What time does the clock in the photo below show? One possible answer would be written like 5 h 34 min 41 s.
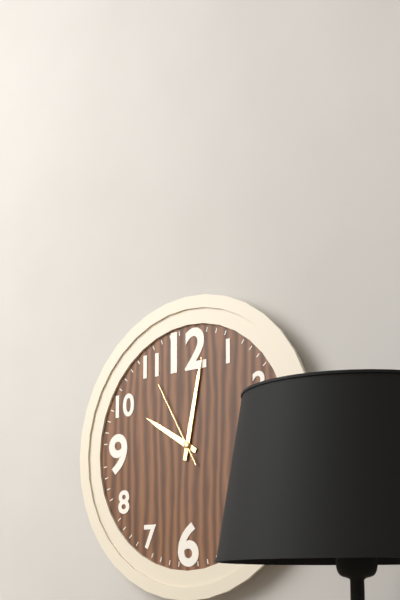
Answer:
10 h 02 min 55 s
